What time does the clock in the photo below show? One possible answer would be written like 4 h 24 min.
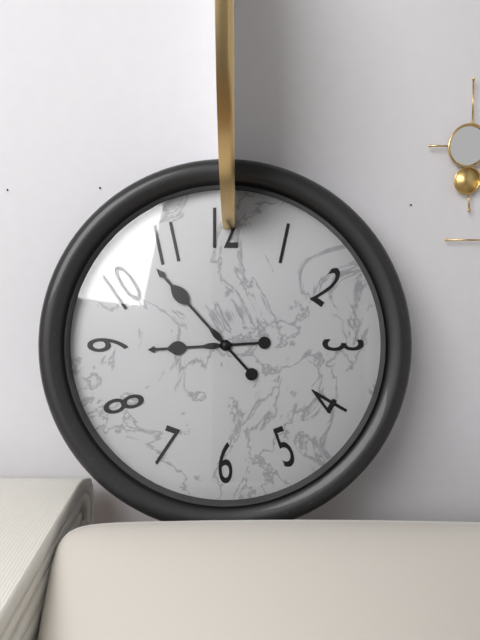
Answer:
8 h 53 min
